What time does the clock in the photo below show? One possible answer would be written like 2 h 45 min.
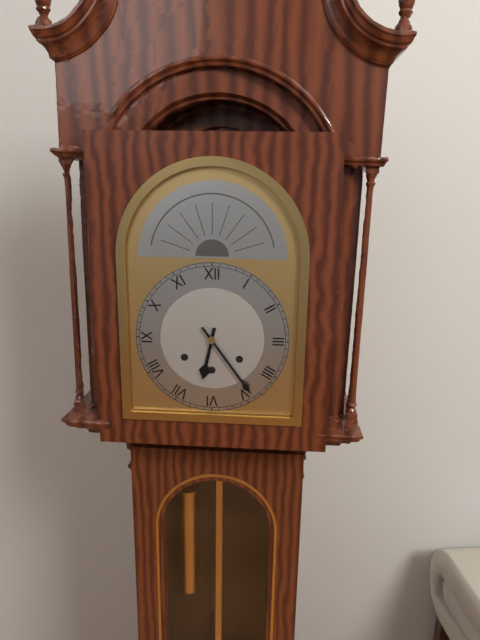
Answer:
6 h 24 min
